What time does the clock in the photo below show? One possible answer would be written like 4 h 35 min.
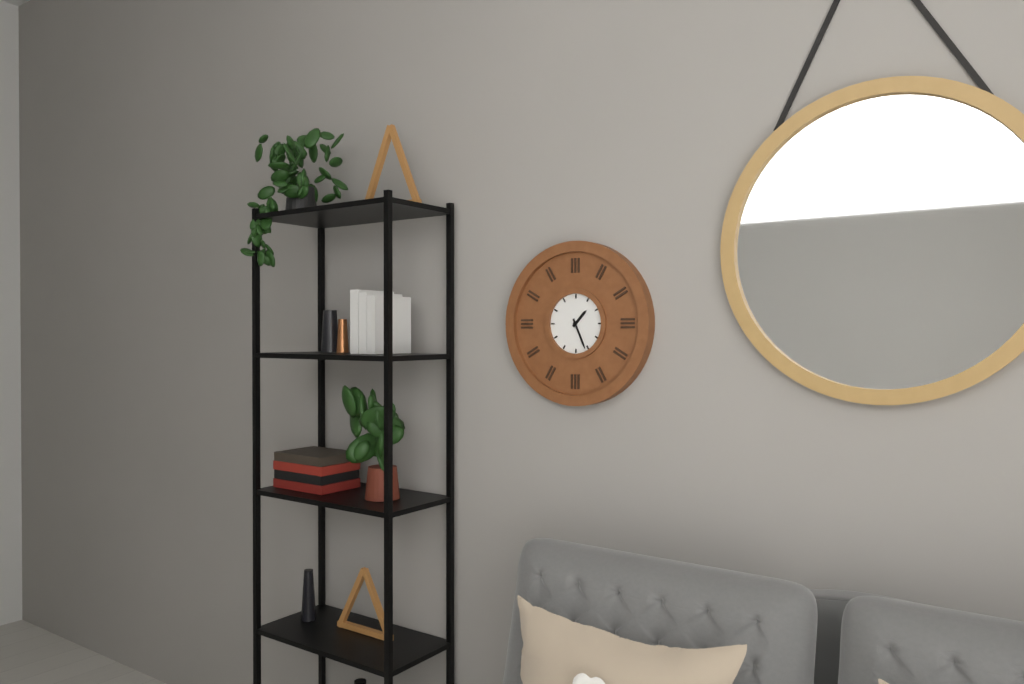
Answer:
1 h 26 min
